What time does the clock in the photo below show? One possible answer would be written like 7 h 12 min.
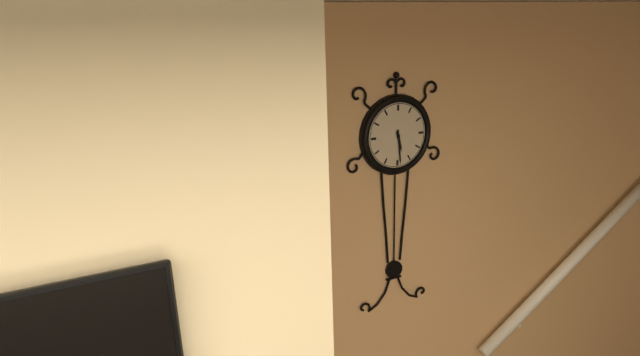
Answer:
5 h 29 min
